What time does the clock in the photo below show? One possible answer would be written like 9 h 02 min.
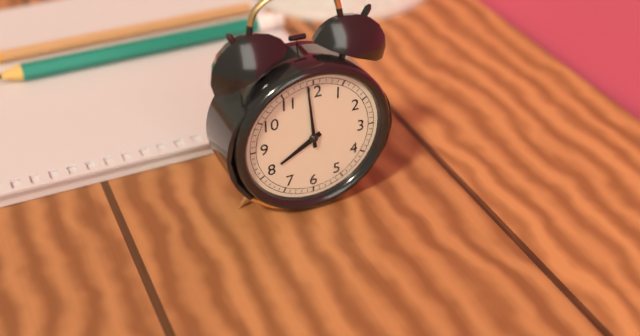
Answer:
7 h 59 min
